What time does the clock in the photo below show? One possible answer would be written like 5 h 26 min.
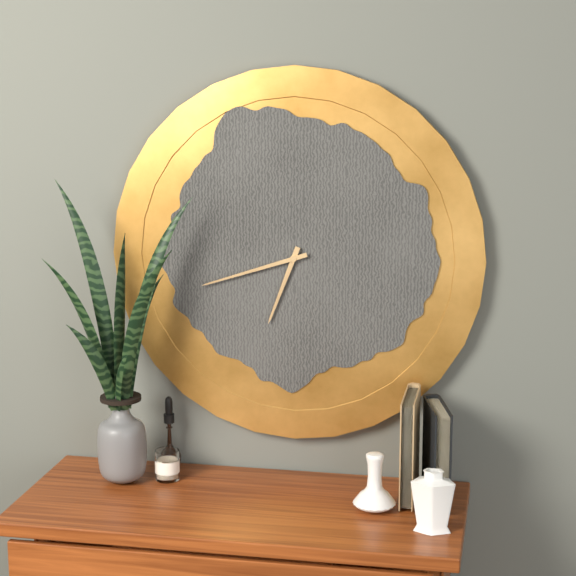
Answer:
6 h 42 min
